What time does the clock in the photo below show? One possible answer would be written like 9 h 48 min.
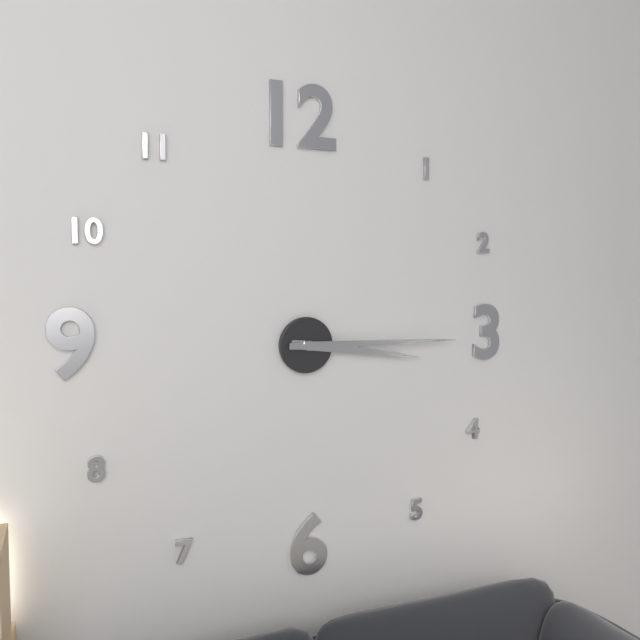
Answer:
3 h 15 min
